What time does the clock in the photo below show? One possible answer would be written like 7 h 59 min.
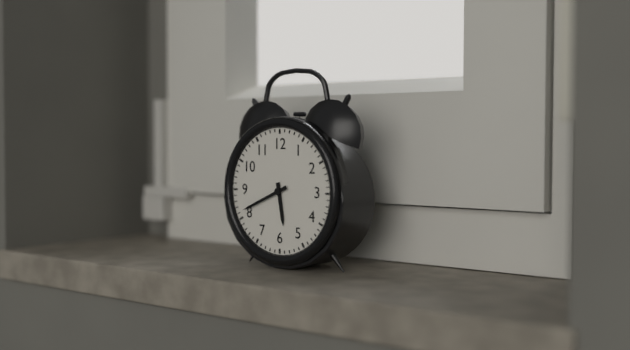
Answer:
5 h 41 min
